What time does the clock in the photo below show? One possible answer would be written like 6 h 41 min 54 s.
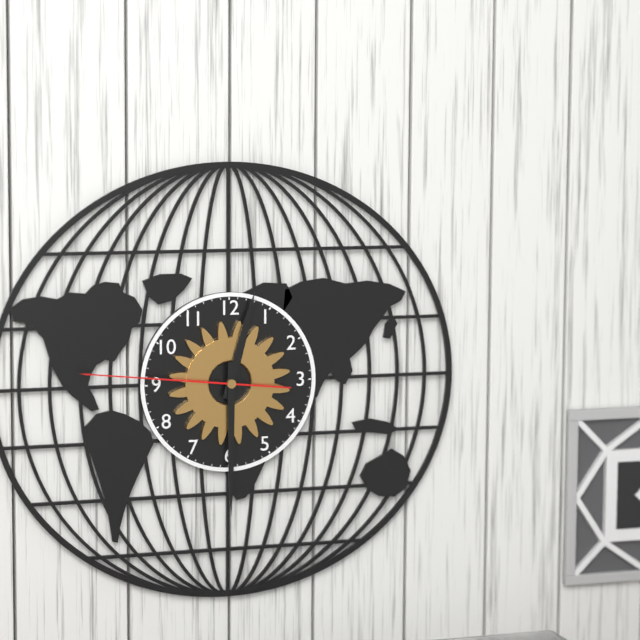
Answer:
12 h 30 min 46 s
